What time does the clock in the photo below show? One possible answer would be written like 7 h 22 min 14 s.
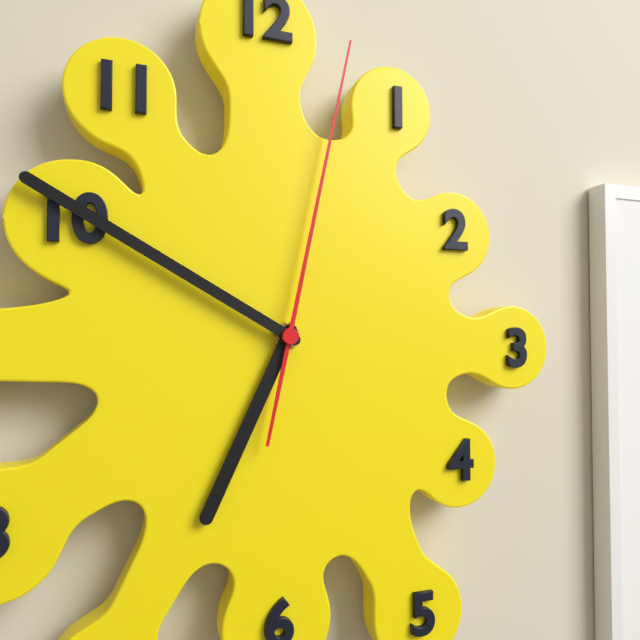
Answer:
6 h 50 min 02 s
